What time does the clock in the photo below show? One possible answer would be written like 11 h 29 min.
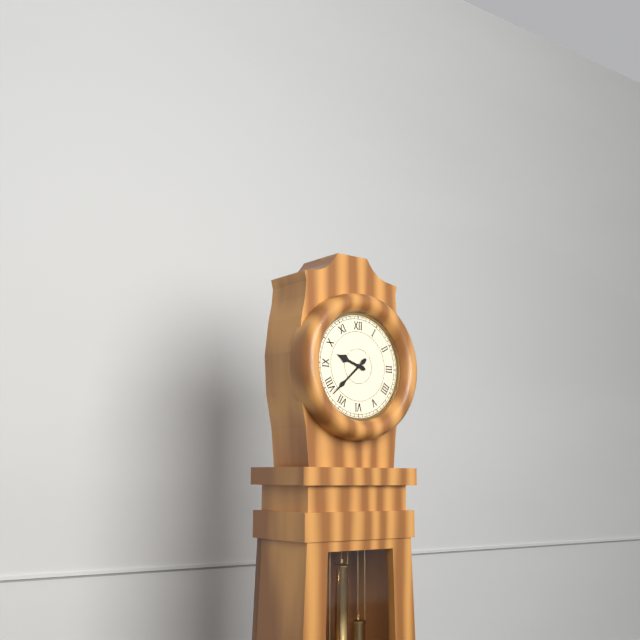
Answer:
9 h 38 min
